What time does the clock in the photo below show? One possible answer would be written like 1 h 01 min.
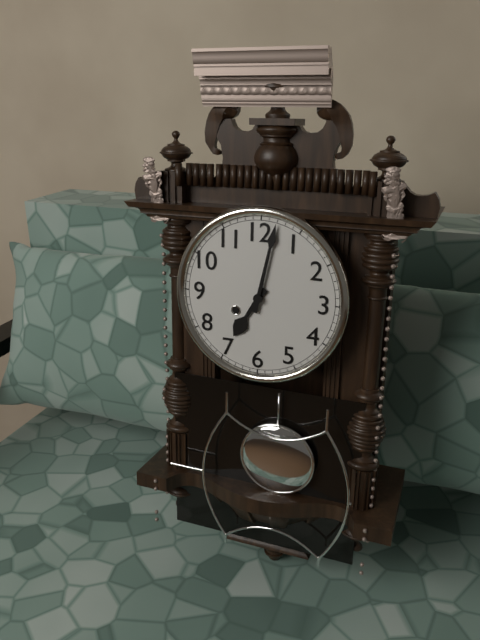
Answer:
7 h 02 min
